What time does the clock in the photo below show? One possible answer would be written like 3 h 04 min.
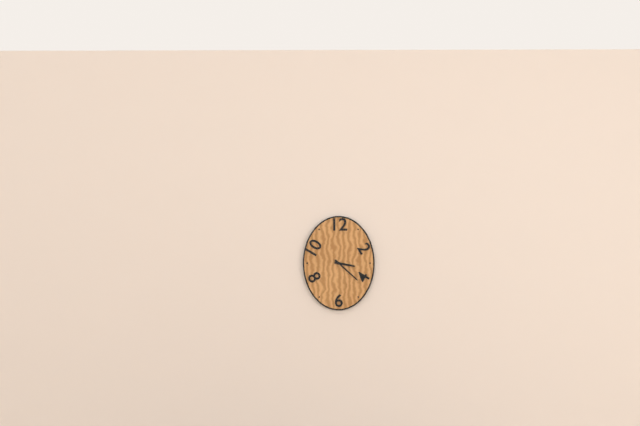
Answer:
3 h 22 min
